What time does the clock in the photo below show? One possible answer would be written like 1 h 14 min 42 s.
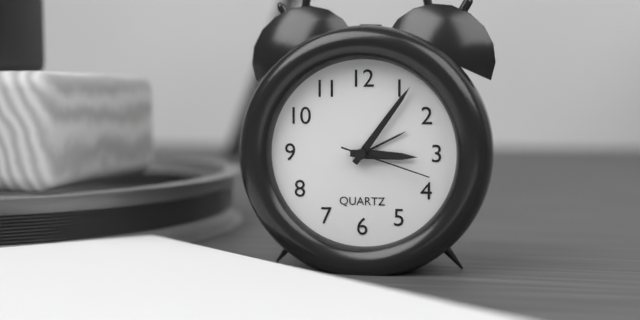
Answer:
3 h 06 min 18 s
